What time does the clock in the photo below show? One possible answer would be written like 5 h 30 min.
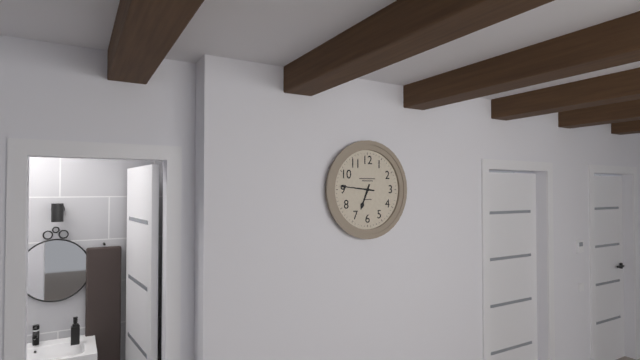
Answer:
6 h 46 min
